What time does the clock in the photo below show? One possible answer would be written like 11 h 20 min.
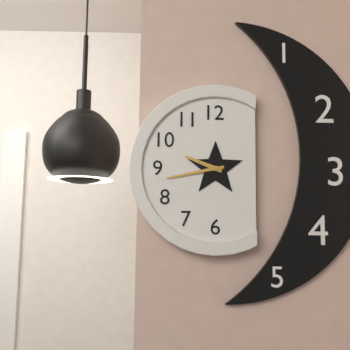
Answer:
9 h 43 min
